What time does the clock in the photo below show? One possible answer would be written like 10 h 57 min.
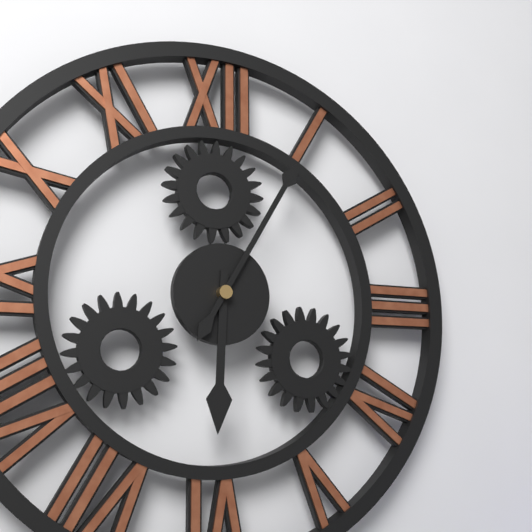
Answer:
6 h 05 min
